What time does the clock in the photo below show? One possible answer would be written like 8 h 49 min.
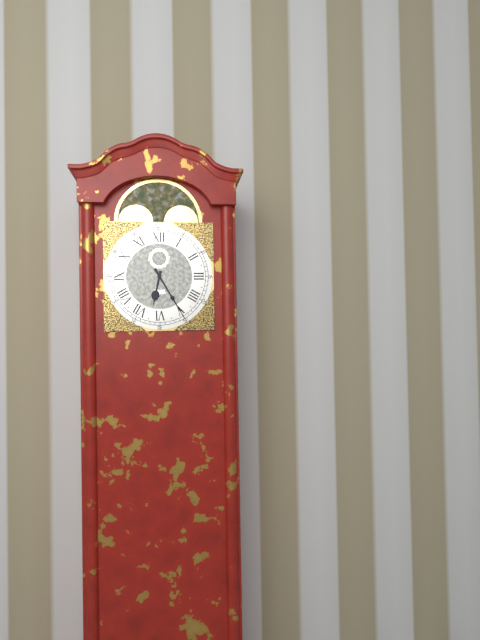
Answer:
6 h 25 min
